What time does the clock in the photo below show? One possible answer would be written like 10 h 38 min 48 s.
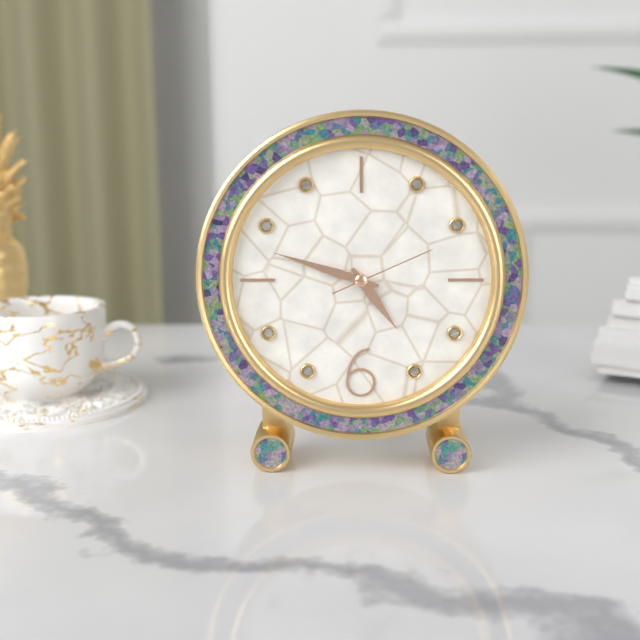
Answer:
4 h 48 min 11 s
